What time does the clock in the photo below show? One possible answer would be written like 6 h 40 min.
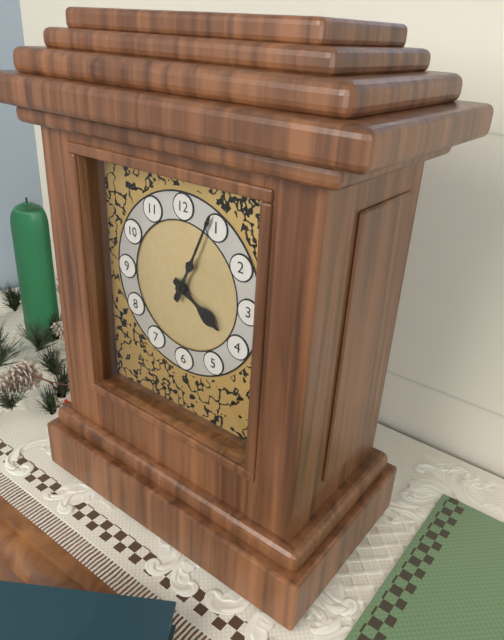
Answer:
4 h 04 min
